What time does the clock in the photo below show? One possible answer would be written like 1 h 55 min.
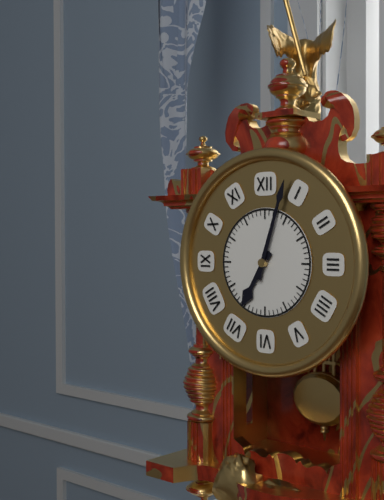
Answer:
7 h 03 min
